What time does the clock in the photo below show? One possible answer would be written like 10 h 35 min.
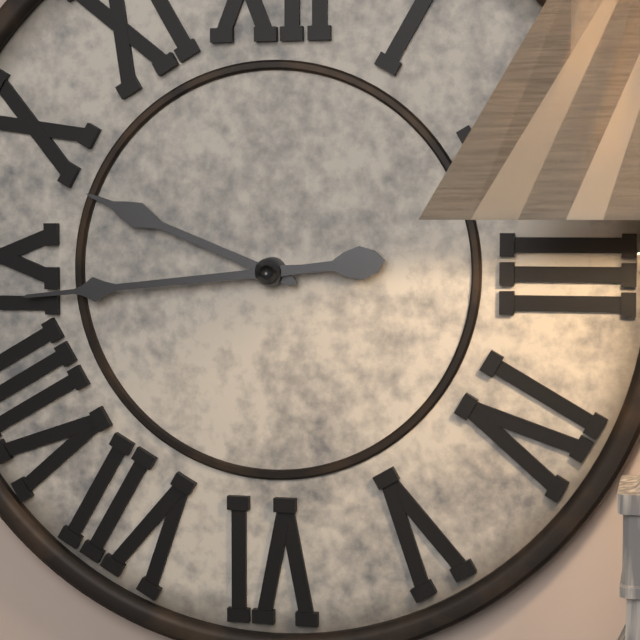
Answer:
9 h 44 min
